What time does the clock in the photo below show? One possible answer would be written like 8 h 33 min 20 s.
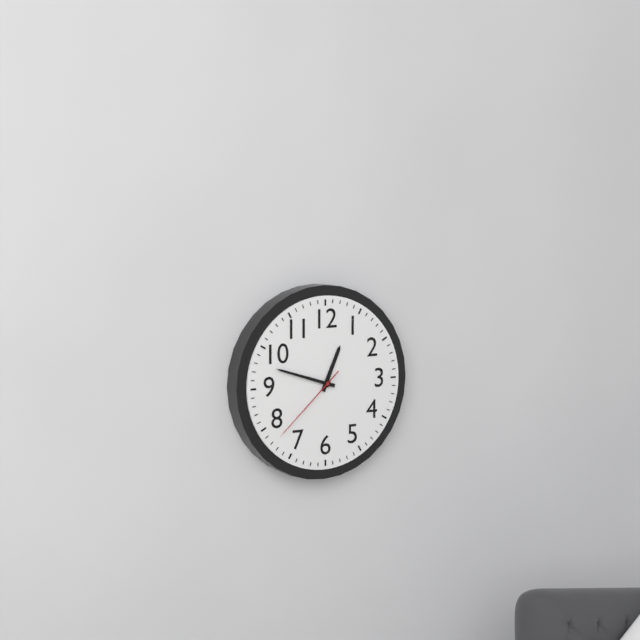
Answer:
12 h 48 min 38 s
